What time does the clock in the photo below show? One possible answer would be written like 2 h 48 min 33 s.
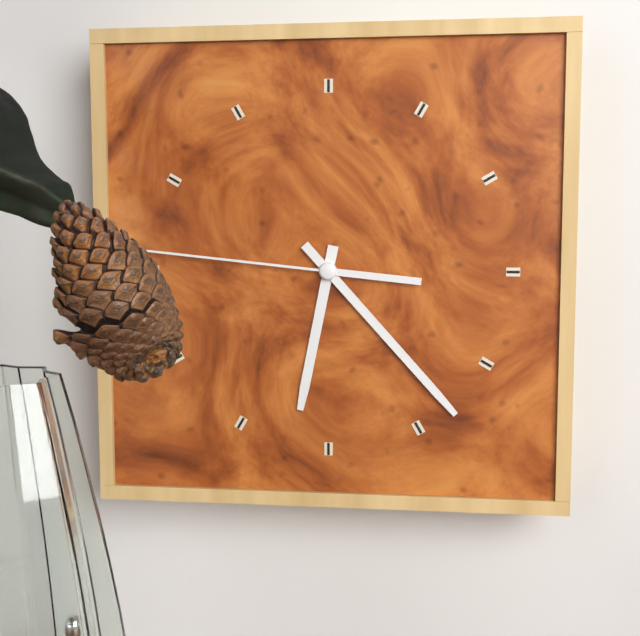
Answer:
6 h 23 min 46 s
